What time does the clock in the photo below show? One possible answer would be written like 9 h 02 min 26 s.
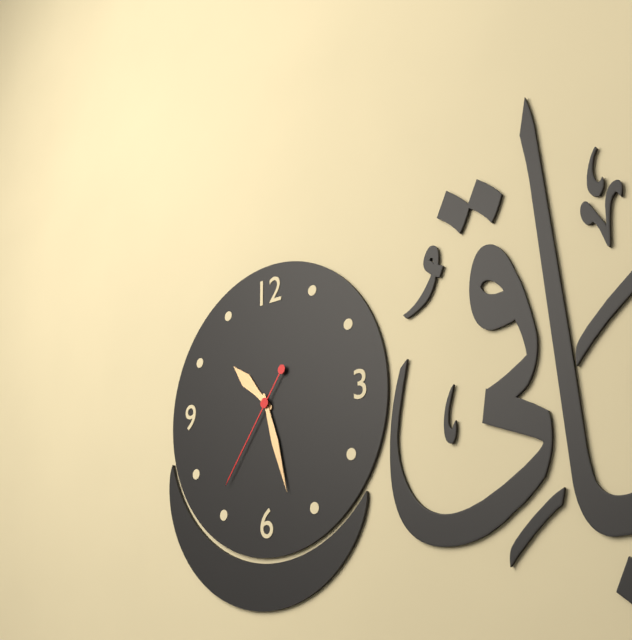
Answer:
10 h 27 min 36 s
